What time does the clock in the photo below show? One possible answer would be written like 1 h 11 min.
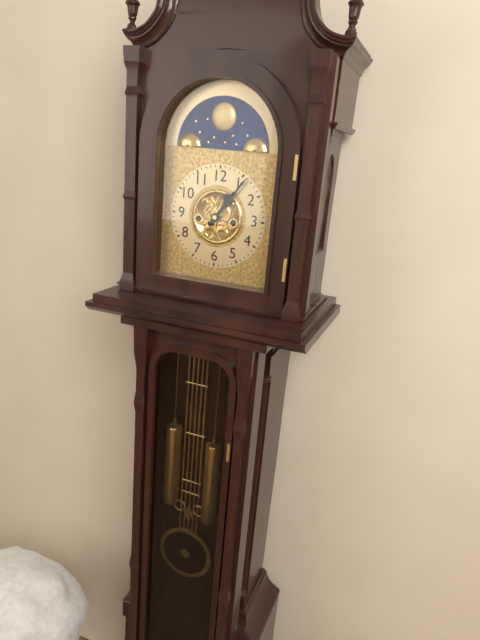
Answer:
1 h 06 min
